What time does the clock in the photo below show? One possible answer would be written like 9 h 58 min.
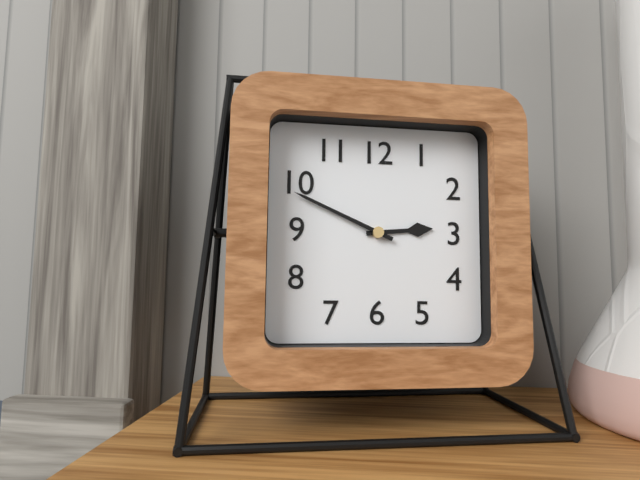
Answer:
2 h 49 min
